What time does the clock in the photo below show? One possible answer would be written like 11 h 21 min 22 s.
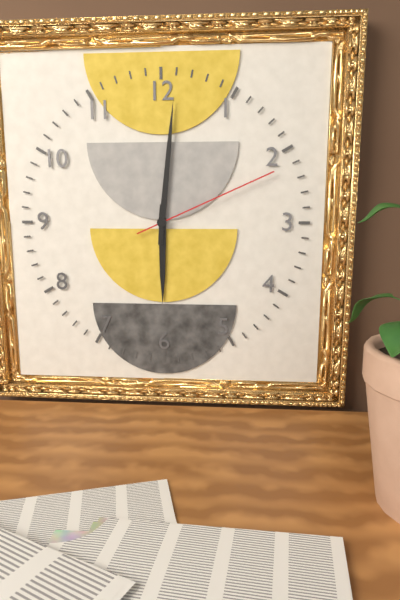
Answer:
6 h 01 min 11 s
